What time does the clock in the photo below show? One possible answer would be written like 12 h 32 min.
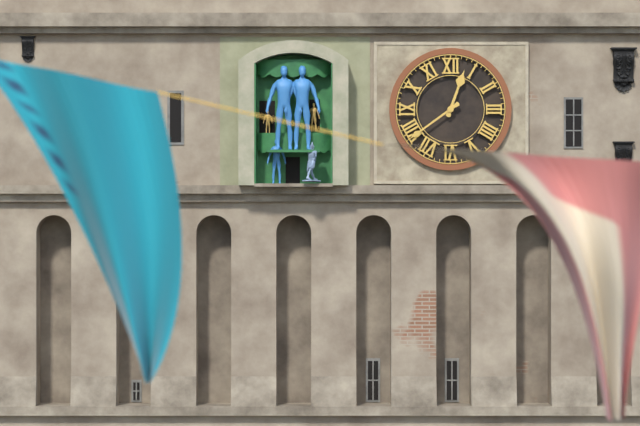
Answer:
12 h 39 min
